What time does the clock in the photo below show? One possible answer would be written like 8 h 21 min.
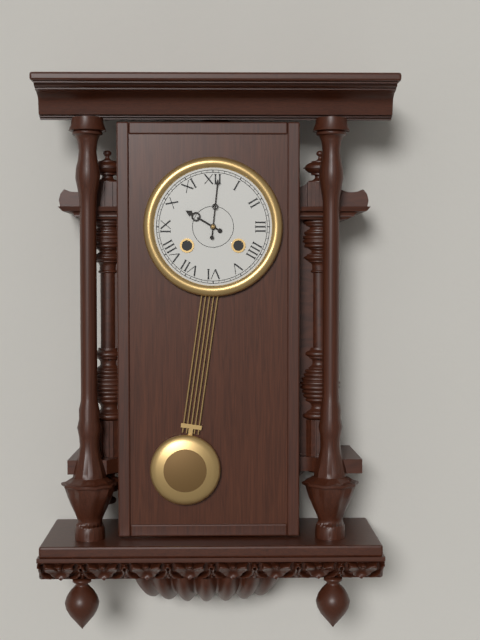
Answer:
10 h 01 min
